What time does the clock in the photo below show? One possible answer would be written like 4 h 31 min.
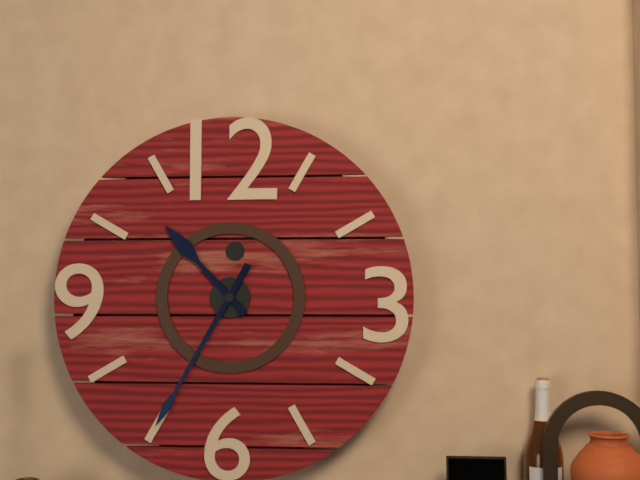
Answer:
10 h 35 min
